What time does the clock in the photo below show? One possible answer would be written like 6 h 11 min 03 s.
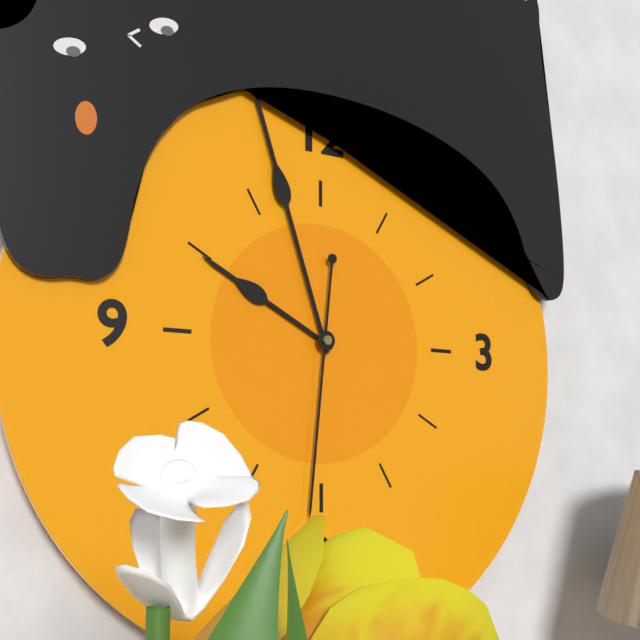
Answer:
9 h 57 min 31 s
